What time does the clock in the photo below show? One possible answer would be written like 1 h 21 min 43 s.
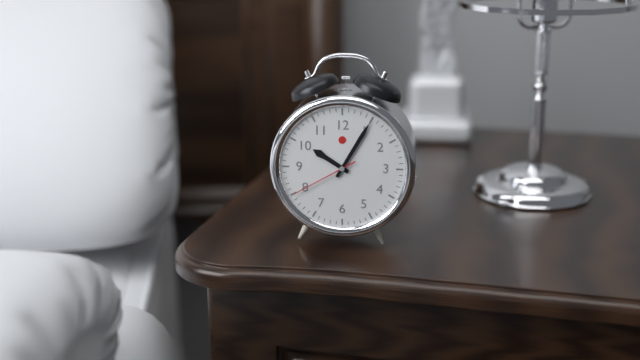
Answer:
10 h 05 min 40 s
